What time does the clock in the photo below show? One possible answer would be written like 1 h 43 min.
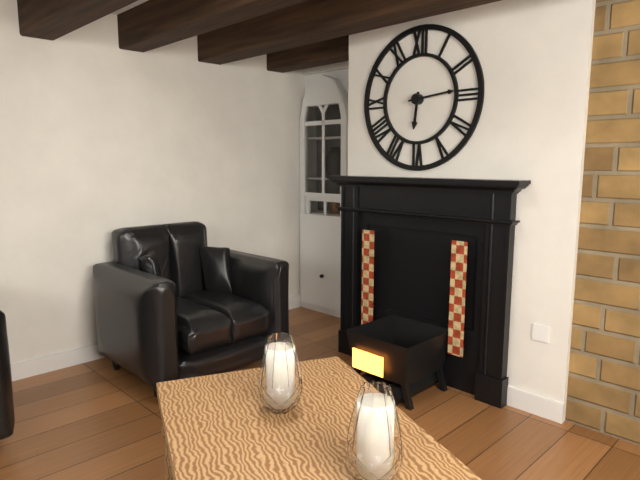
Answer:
6 h 14 min
